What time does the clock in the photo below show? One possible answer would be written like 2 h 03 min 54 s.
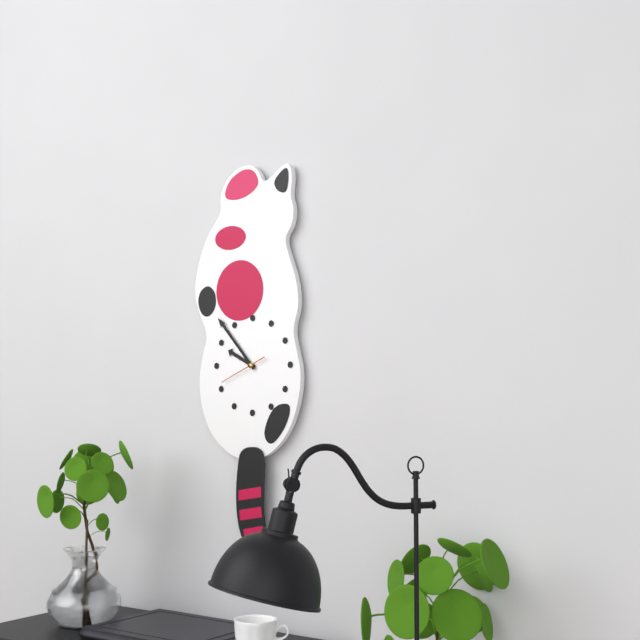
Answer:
9 h 53 min 41 s
